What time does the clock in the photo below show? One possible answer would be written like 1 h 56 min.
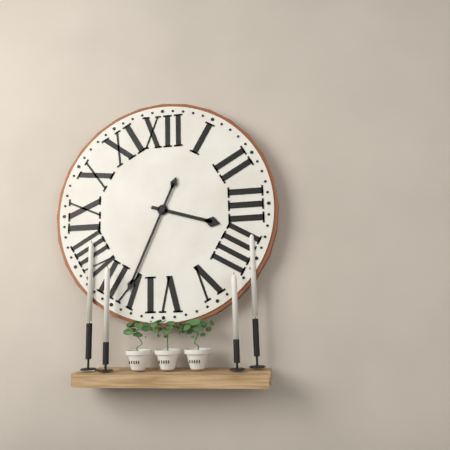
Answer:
3 h 34 min
